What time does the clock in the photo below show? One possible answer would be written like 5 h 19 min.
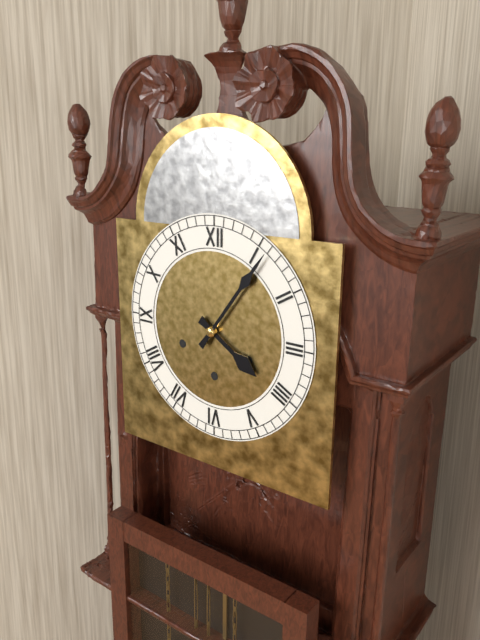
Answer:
4 h 06 min
